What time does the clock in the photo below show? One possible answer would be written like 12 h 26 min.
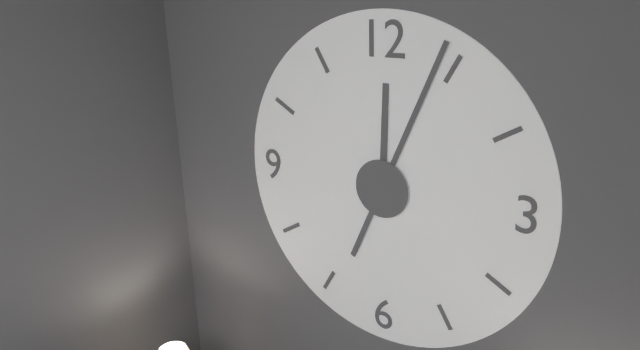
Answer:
12 h 04 min
